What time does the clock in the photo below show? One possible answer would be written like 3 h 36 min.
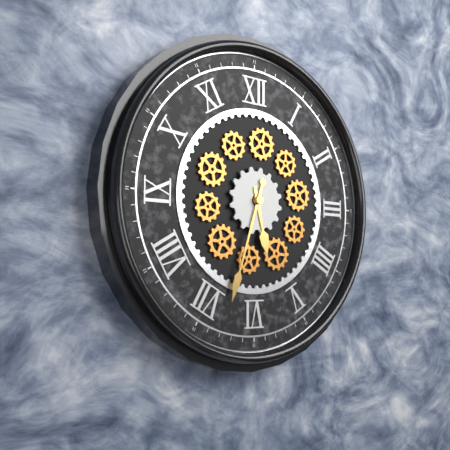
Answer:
5 h 33 min
